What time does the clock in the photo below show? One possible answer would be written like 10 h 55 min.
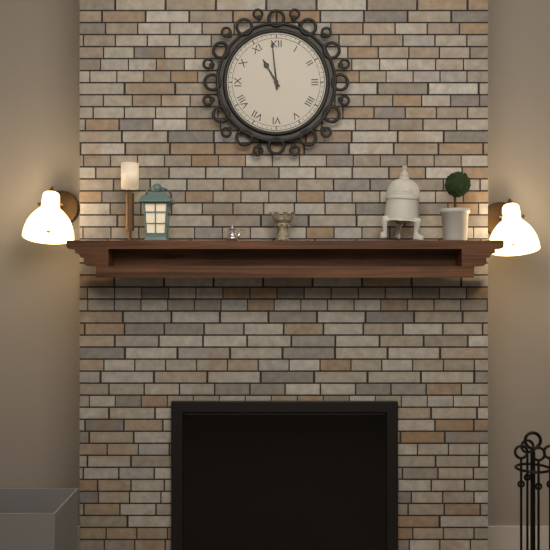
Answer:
10 h 59 min
